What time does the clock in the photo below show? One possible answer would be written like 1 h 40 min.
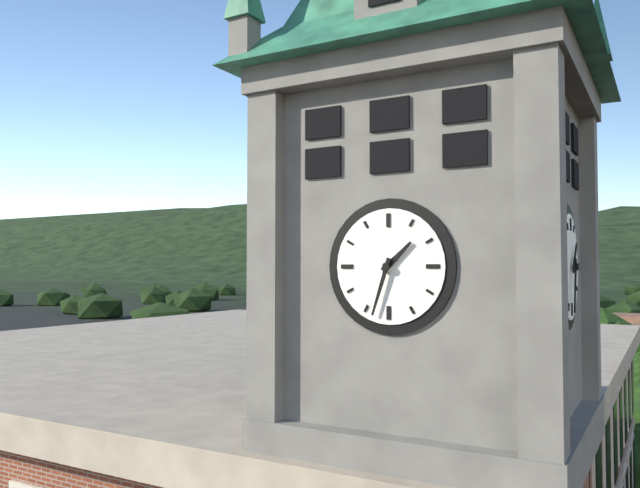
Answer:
1 h 33 min
